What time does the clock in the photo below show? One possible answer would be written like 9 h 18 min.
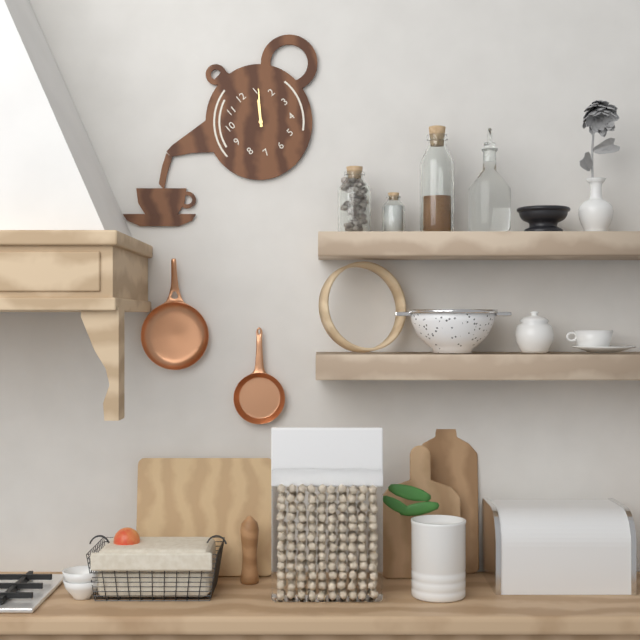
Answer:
1 h 06 min
